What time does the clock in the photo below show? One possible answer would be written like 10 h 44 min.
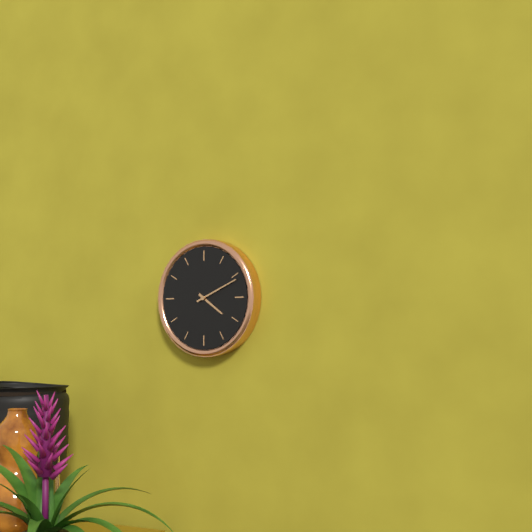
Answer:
4 h 11 min
